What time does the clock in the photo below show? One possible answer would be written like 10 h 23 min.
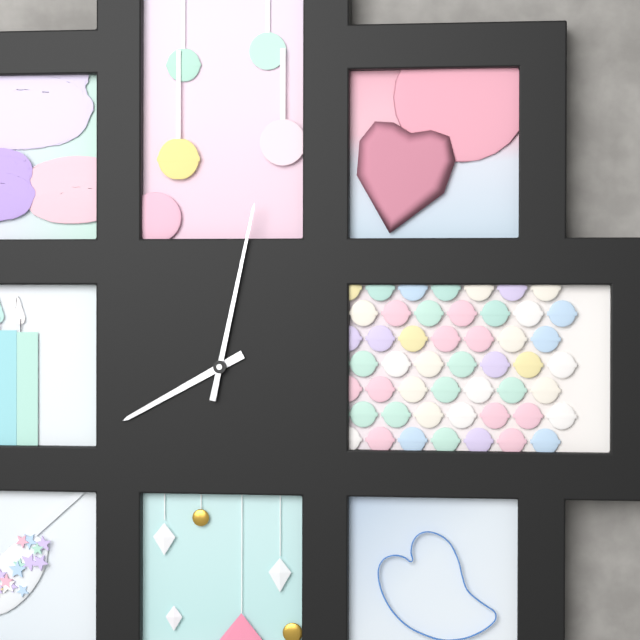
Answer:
8 h 02 min
